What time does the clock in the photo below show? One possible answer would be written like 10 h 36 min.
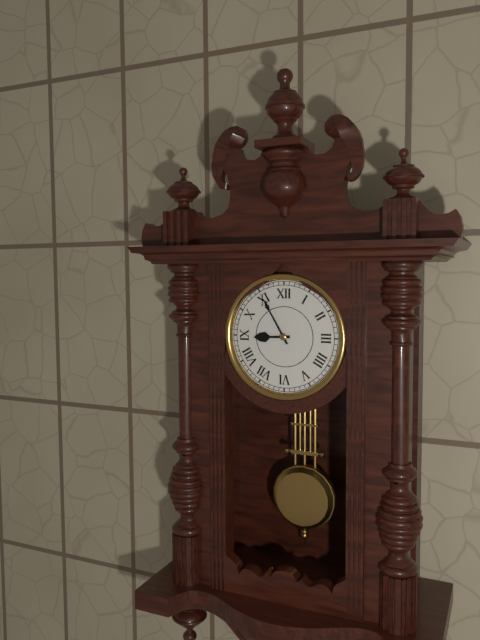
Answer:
8 h 55 min
